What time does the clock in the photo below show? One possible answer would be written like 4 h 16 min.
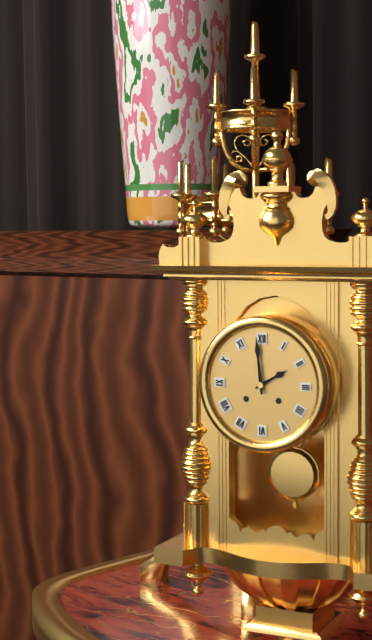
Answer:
1 h 59 min
